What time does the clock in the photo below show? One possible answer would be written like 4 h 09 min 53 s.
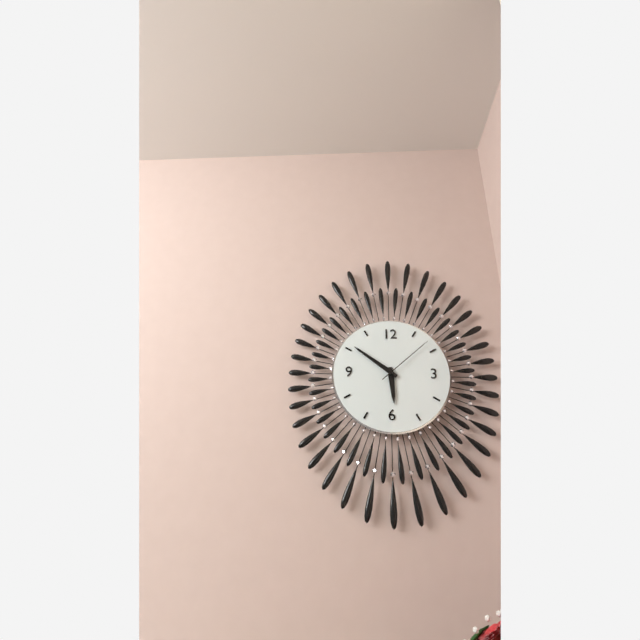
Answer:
5 h 51 min 08 s
